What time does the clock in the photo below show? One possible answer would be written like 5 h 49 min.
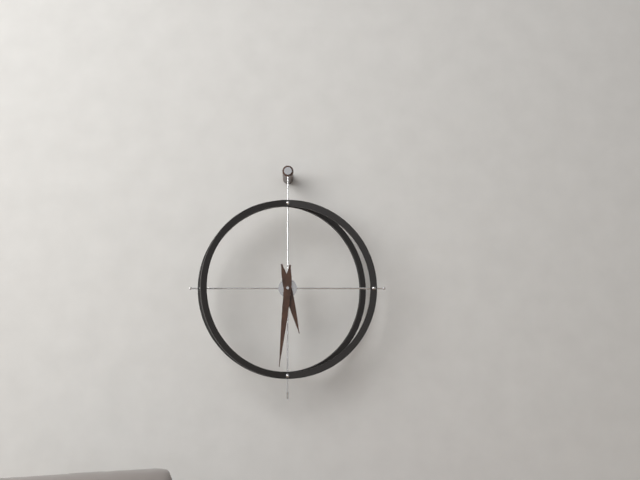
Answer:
5 h 31 min
